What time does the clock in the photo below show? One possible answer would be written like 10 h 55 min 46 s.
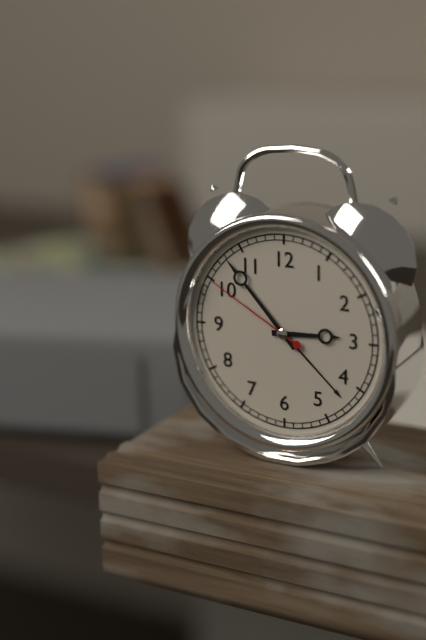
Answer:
2 h 53 min 50 s
